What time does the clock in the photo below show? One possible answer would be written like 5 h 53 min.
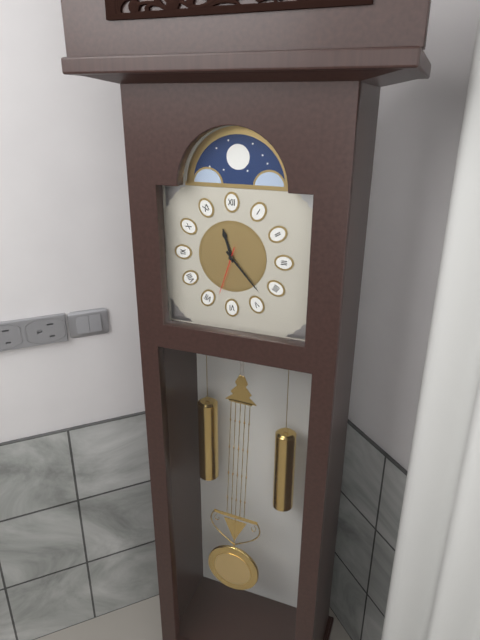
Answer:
11 h 23 min
